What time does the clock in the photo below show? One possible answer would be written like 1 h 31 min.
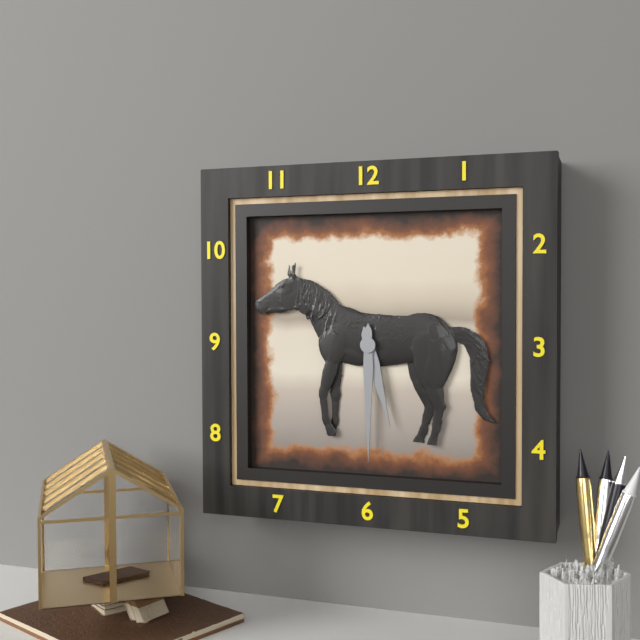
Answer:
5 h 30 min
